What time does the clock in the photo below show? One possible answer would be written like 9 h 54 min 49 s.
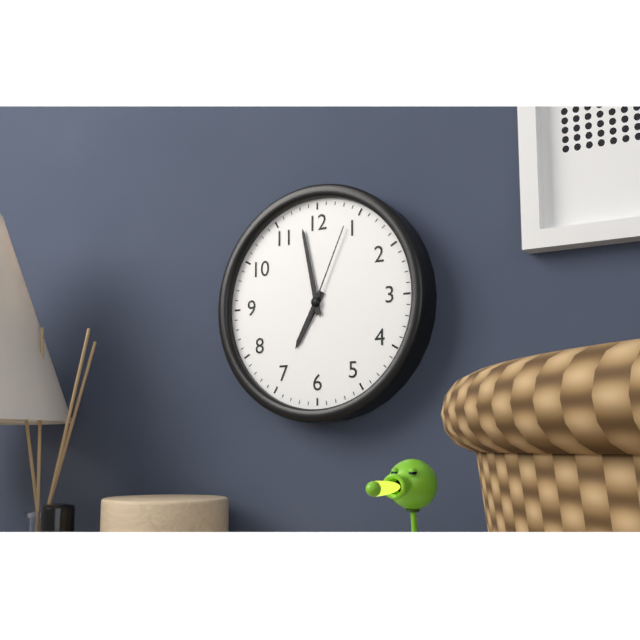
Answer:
6 h 58 min 04 s
